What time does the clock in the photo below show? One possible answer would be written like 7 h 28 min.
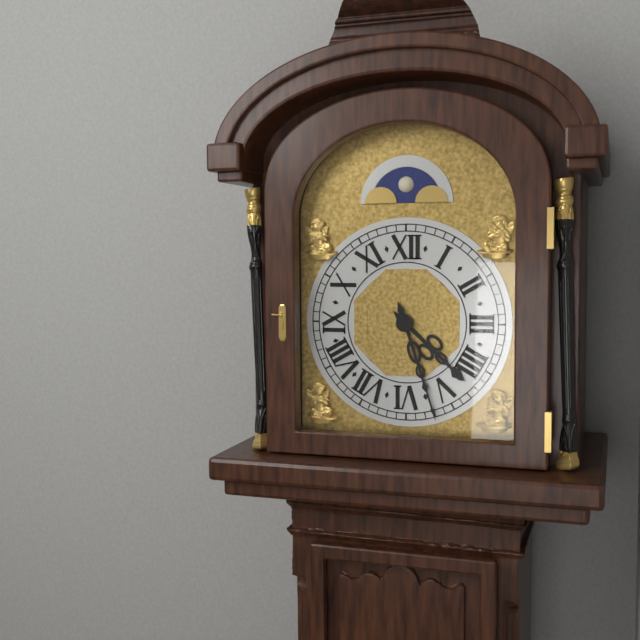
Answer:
4 h 27 min
